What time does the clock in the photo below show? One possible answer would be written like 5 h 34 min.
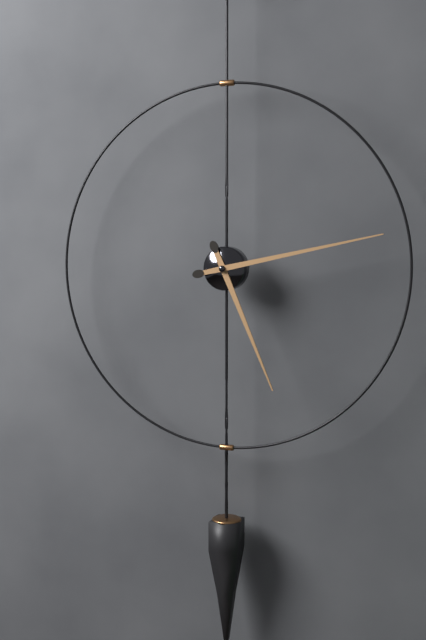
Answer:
5 h 13 min
